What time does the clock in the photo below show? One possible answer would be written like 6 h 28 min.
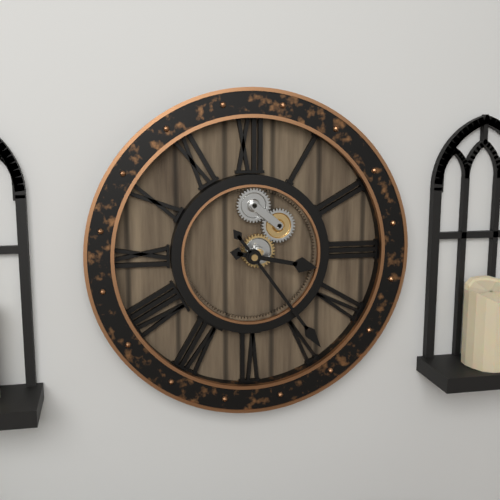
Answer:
3 h 24 min
